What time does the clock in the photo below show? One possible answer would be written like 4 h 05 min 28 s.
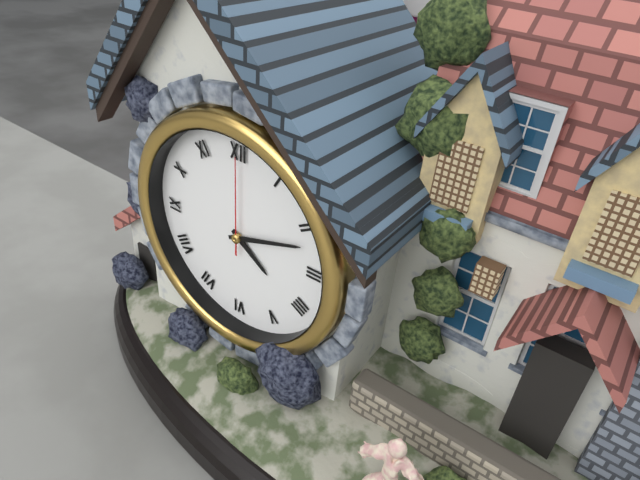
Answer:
4 h 12 min 00 s
